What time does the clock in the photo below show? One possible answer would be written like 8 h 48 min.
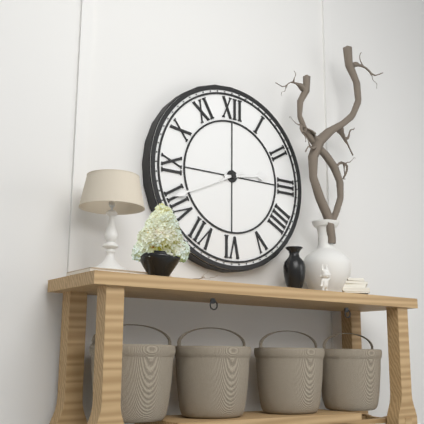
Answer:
2 h 41 min
